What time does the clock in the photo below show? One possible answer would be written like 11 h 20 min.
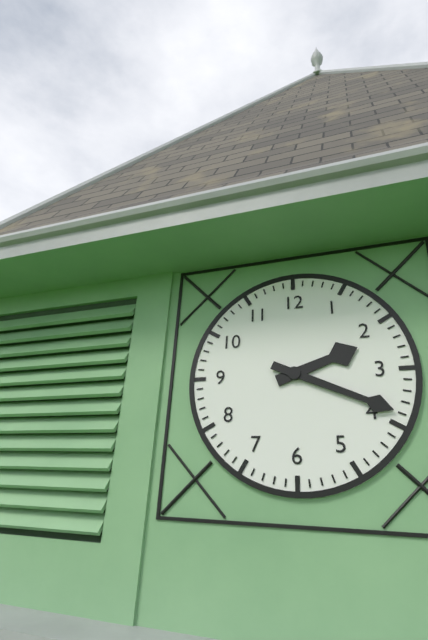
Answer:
2 h 19 min
